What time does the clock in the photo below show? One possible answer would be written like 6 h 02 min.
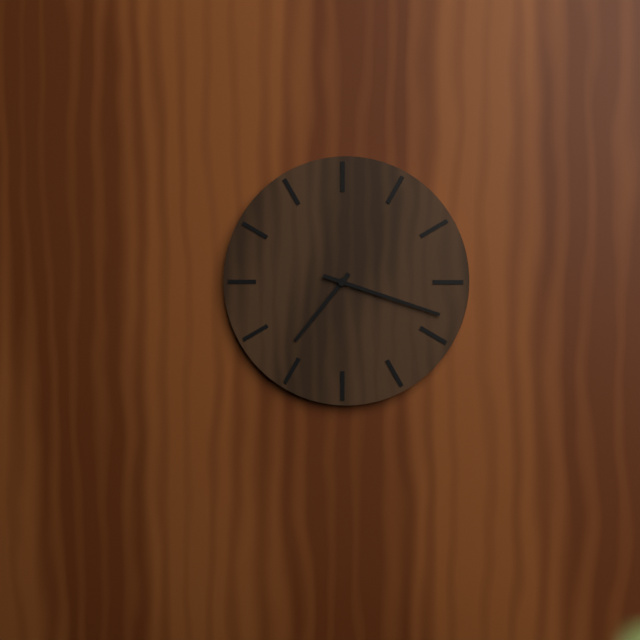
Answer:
7 h 18 min
